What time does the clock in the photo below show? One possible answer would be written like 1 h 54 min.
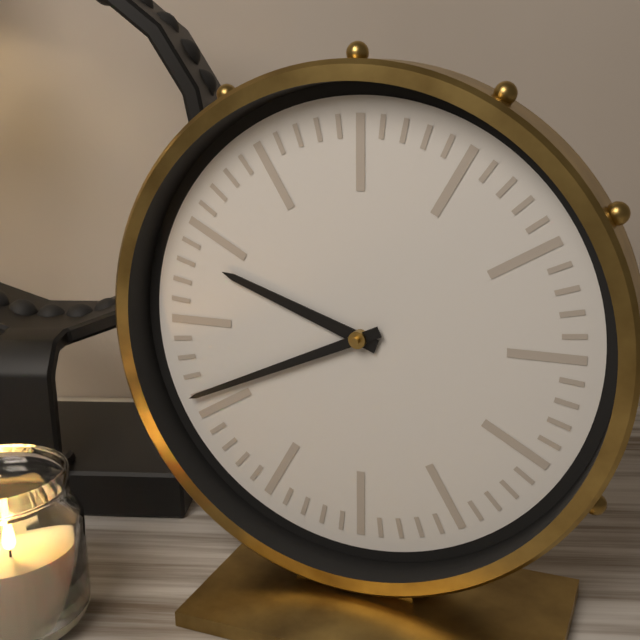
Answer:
9 h 41 min
